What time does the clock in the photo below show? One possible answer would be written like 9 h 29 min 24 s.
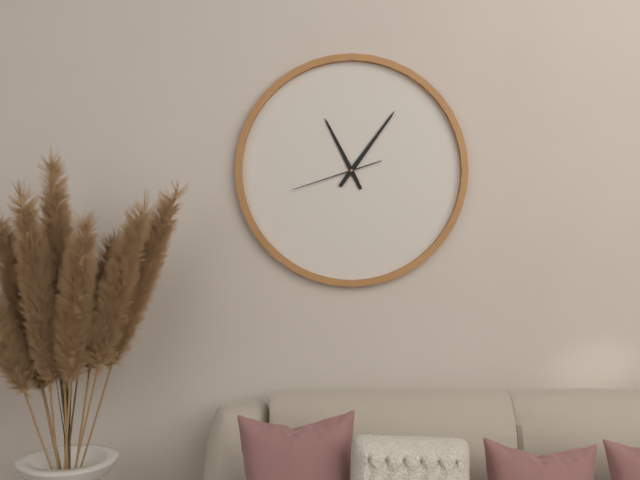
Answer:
11 h 06 min 42 s
